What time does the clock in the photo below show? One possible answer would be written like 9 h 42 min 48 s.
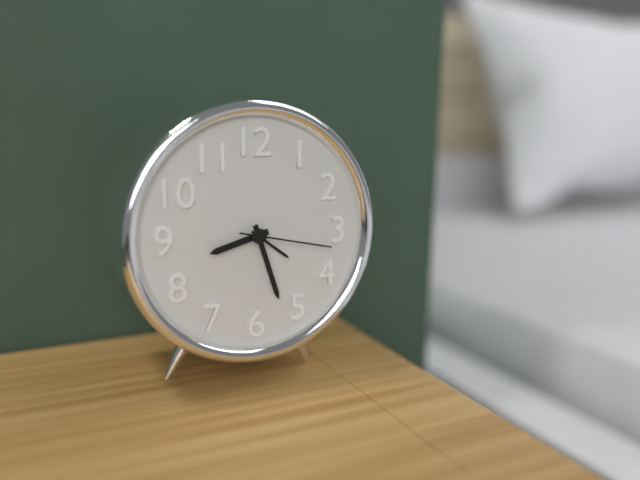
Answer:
8 h 27 min 17 s
